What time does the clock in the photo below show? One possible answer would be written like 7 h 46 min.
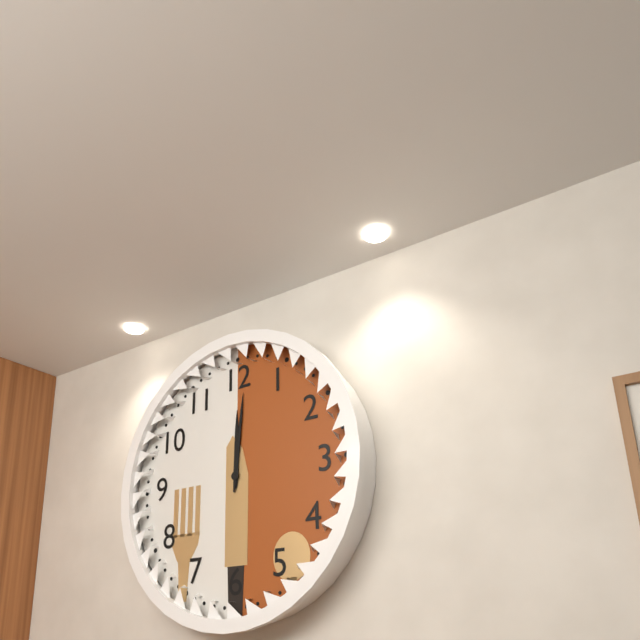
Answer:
12 h 01 min
